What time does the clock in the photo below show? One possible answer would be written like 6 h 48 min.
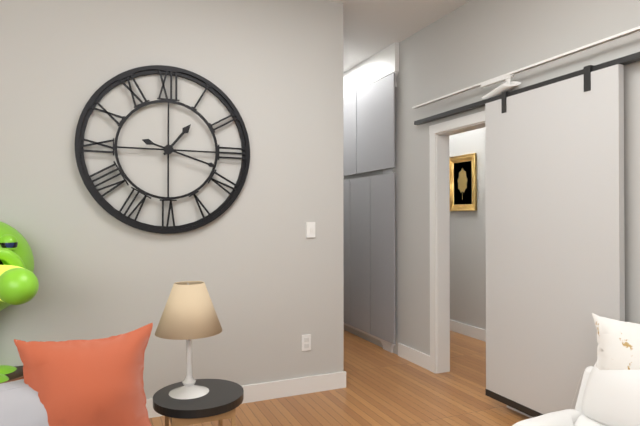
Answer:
1 h 18 min
